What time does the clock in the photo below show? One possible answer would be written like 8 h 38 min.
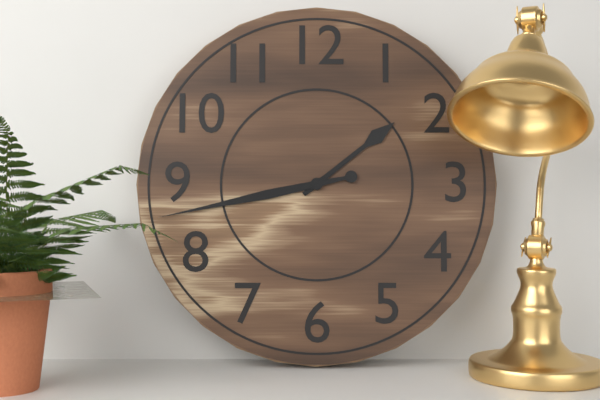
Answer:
1 h 43 min
